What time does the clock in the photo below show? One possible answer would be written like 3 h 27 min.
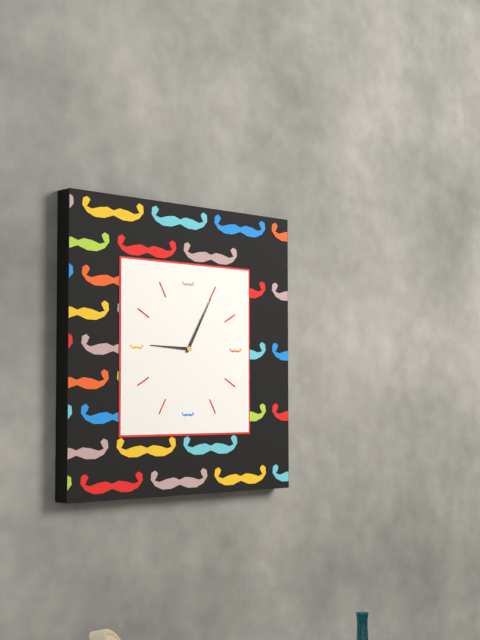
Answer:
9 h 05 min
